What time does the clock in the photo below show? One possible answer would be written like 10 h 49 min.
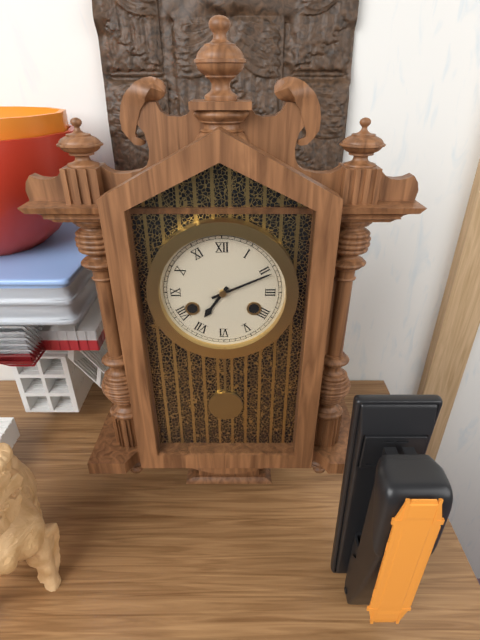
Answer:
7 h 11 min
